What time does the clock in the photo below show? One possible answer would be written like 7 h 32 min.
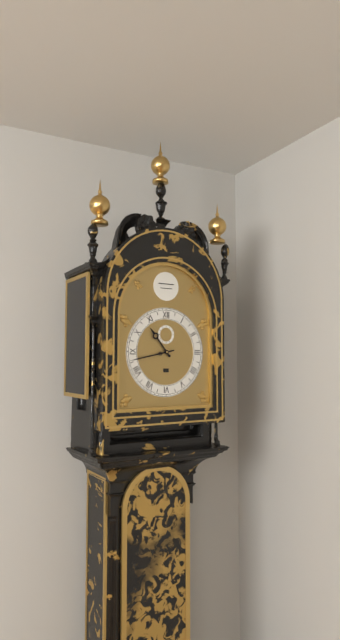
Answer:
10 h 43 min
